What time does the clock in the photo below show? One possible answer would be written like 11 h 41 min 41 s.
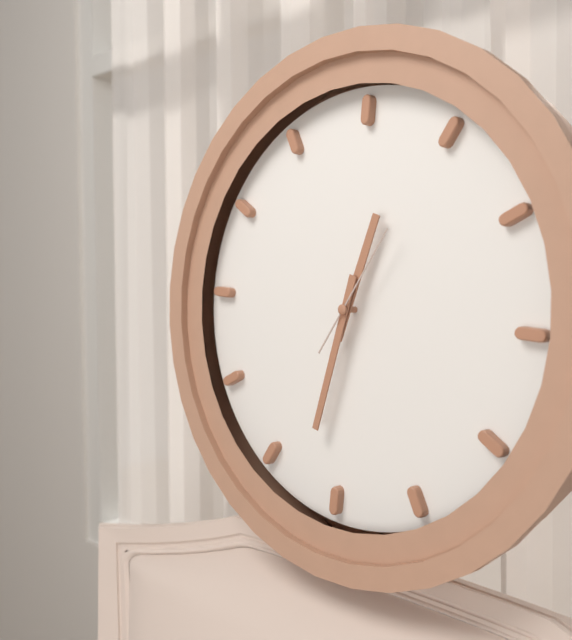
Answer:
12 h 32 min 05 s
